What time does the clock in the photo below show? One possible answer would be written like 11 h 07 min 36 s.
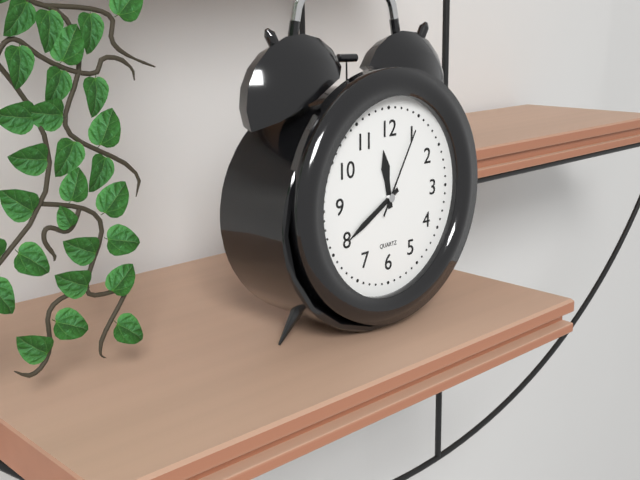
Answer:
11 h 40 min 05 s
